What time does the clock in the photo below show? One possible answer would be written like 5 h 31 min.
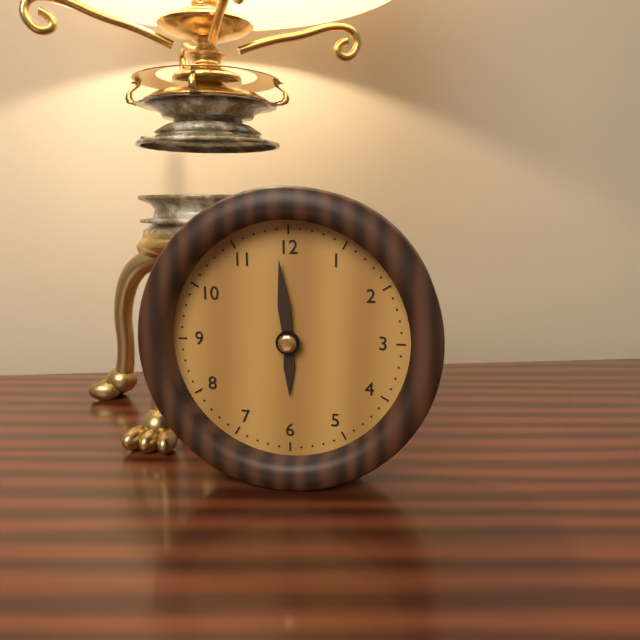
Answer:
5 h 59 min
